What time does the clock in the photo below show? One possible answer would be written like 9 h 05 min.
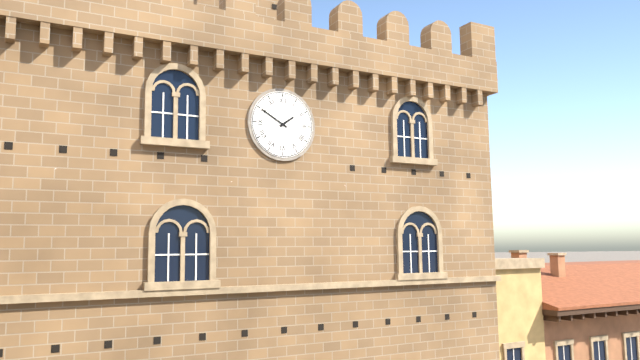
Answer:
1 h 50 min
